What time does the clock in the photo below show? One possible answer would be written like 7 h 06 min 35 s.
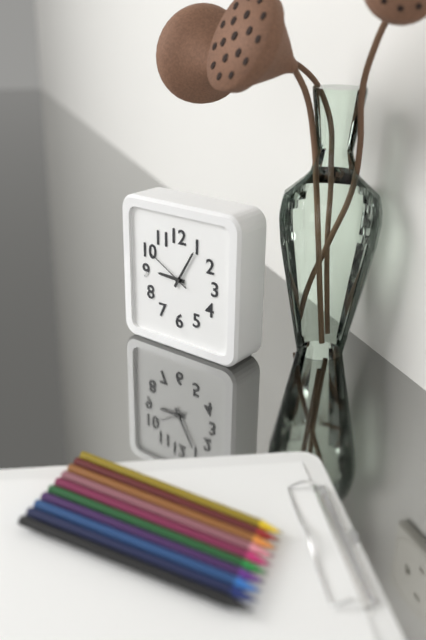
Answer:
9 h 05 min 50 s
